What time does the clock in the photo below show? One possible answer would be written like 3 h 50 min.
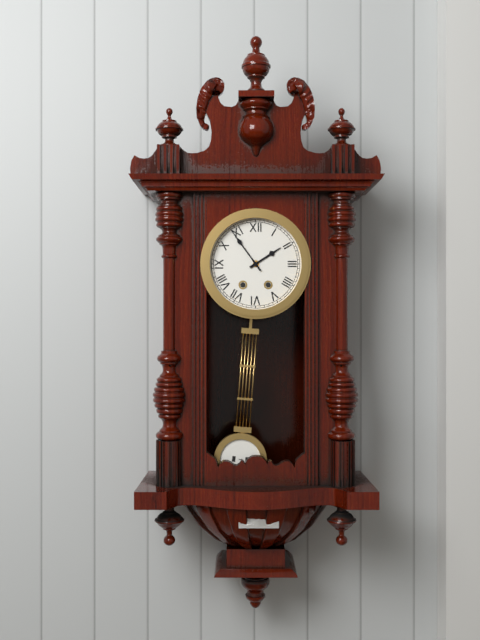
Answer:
1 h 54 min
